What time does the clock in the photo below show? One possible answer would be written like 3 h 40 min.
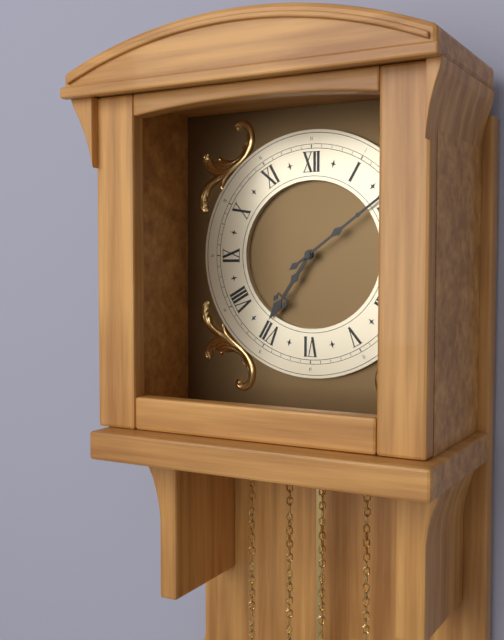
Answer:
7 h 09 min
